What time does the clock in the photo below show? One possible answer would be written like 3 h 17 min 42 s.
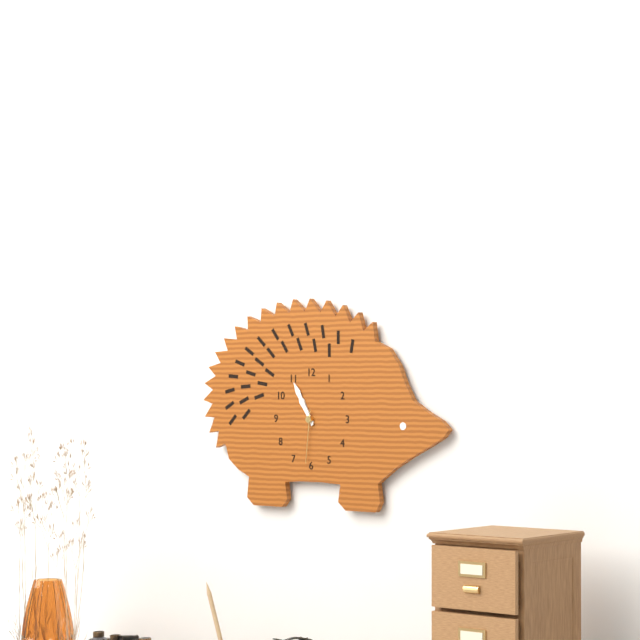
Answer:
10 h 55 min 31 s
